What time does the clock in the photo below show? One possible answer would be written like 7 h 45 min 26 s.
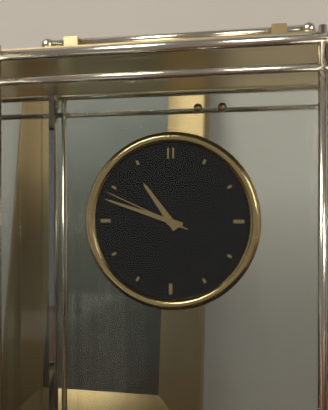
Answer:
10 h 48 min 49 s
